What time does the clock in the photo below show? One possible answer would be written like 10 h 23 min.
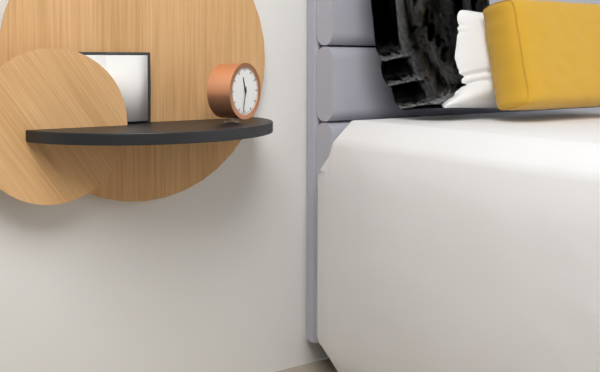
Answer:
11 h 32 min
